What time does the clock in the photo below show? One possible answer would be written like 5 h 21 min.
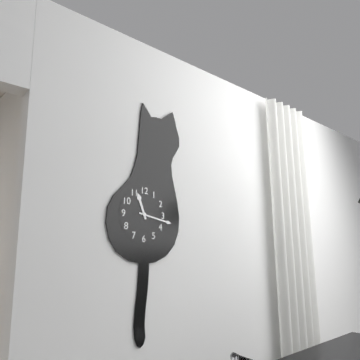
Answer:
11 h 17 min
